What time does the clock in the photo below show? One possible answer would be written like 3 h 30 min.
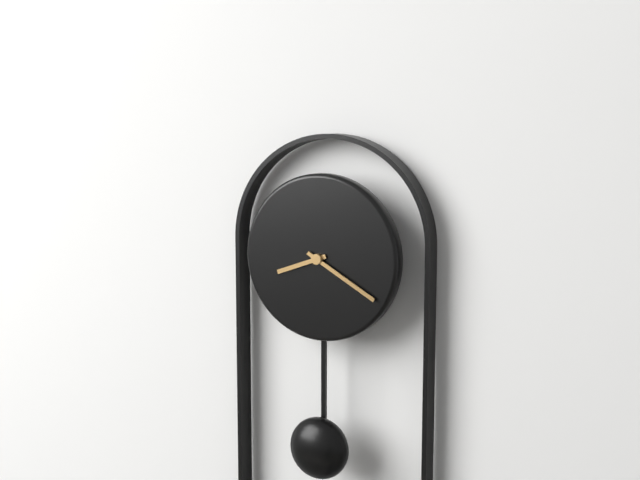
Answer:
8 h 20 min
